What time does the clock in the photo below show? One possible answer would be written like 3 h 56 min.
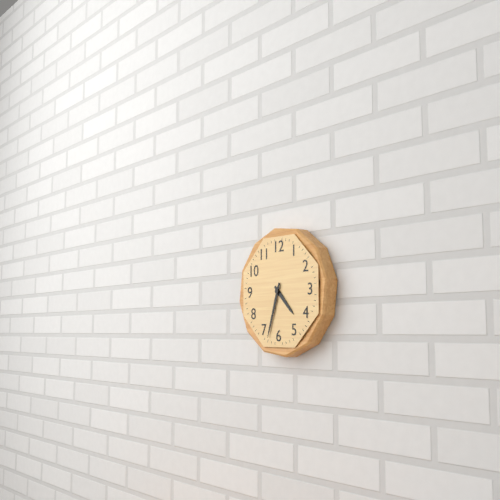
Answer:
4 h 33 min
